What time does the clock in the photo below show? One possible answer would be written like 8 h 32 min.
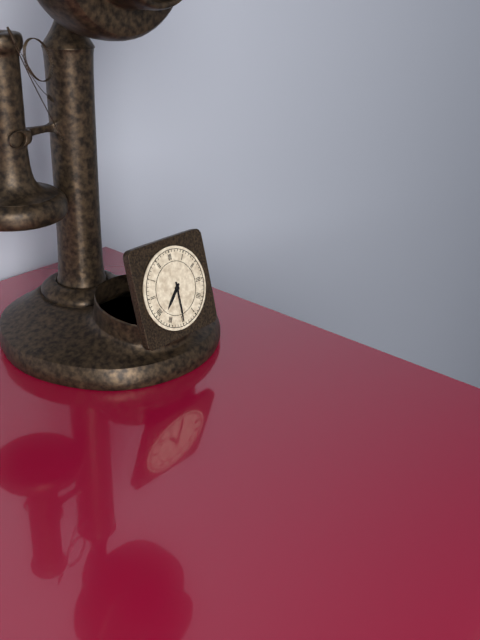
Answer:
7 h 30 min
